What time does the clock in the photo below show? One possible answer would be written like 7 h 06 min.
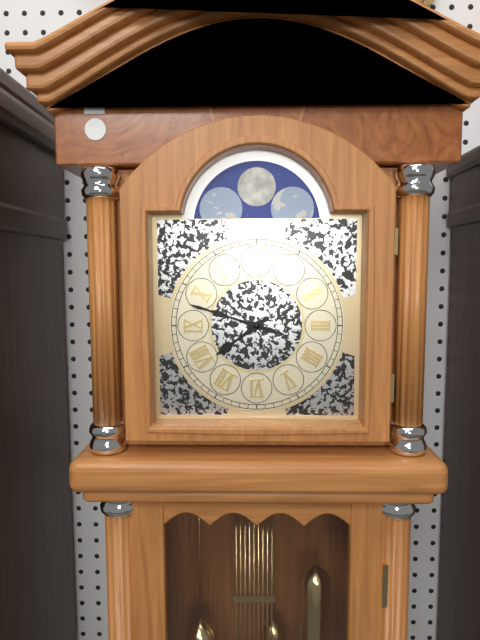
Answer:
7 h 48 min
